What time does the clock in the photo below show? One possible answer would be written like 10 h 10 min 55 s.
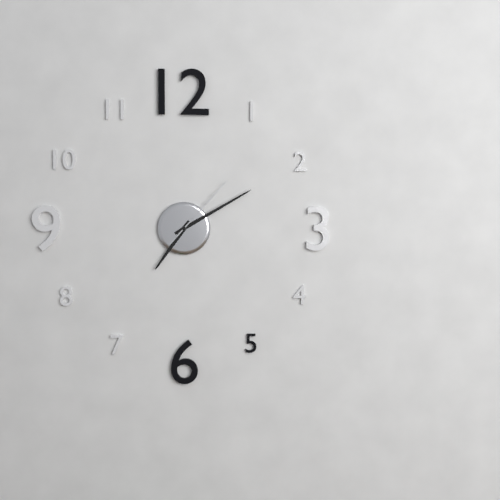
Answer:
7 h 10 min 07 s
